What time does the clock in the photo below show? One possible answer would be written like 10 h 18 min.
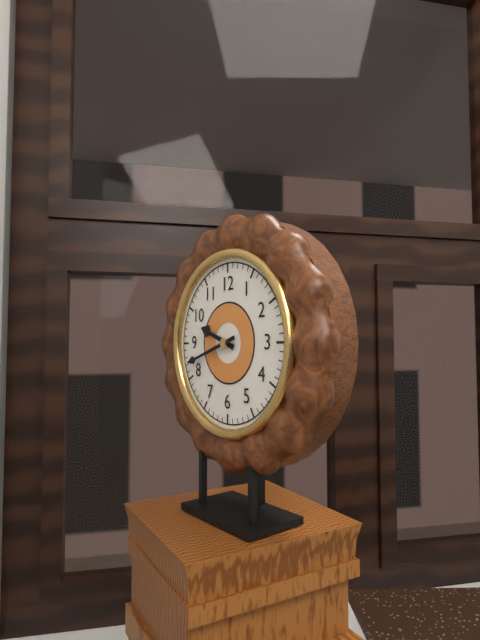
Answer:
9 h 42 min
